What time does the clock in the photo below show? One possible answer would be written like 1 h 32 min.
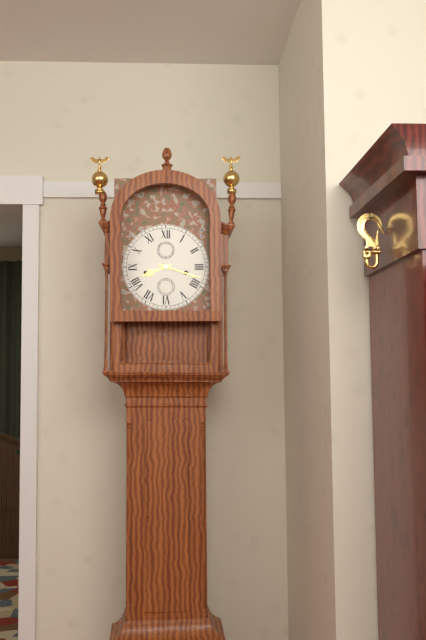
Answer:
8 h 18 min
